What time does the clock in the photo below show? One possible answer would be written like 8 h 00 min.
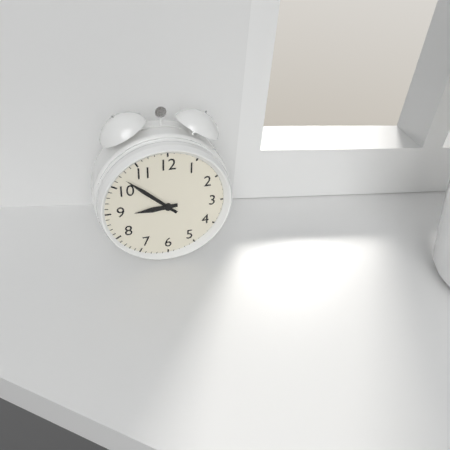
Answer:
8 h 52 min
